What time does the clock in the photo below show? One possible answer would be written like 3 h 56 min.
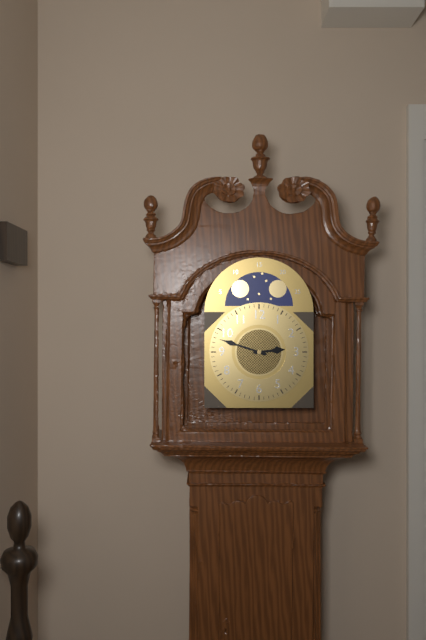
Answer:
2 h 48 min
